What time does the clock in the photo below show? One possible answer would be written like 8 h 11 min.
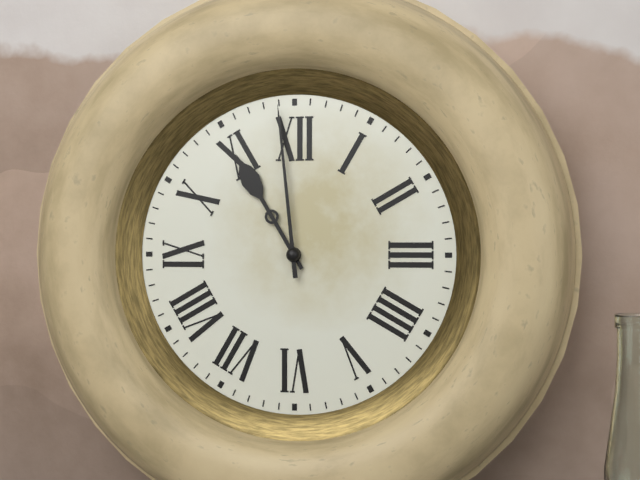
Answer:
10 h 59 min
